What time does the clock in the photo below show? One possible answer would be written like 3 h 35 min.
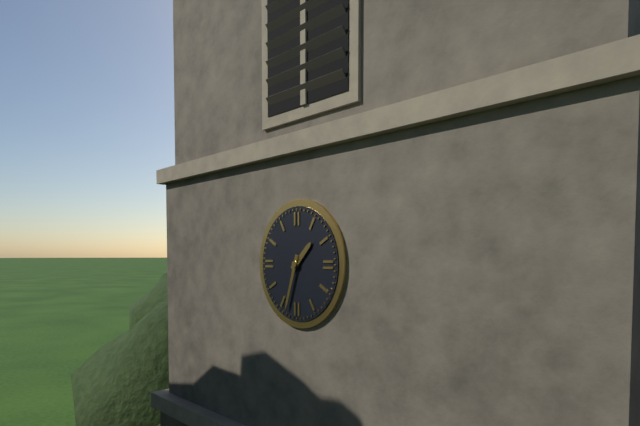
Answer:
1 h 33 min
